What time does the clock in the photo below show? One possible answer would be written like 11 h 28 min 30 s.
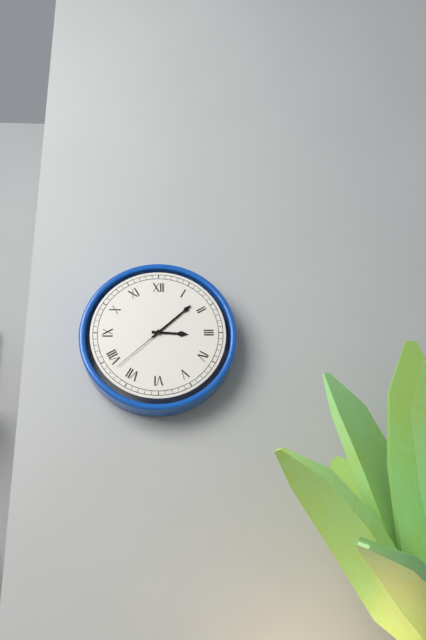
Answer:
3 h 08 min 38 s
